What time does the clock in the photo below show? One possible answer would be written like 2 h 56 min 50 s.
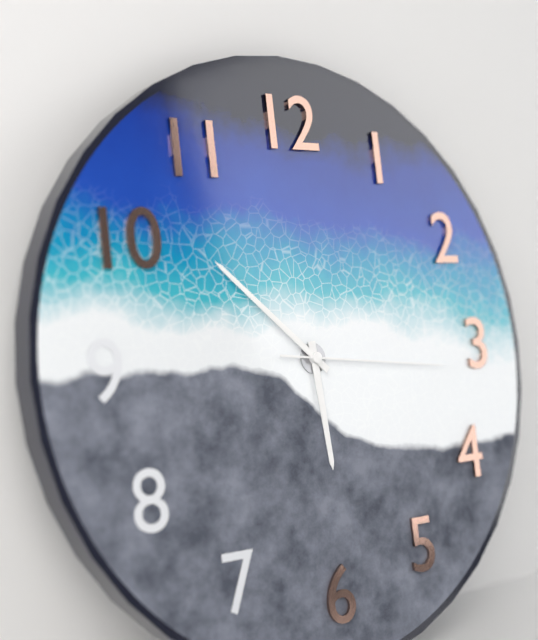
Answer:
5 h 52 min 16 s
